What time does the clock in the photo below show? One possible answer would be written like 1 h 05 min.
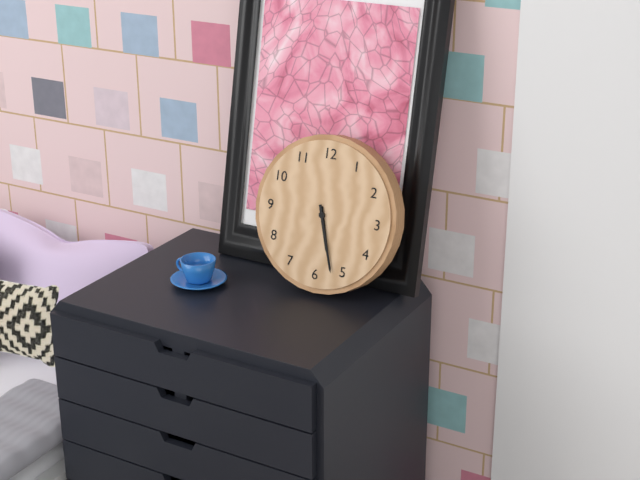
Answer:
5 h 27 min
